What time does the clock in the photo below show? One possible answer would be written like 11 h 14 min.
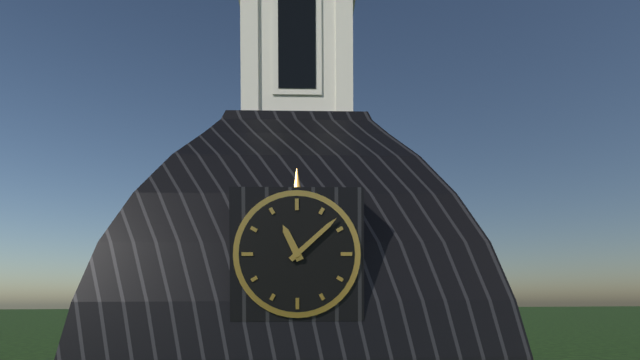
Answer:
11 h 08 min
